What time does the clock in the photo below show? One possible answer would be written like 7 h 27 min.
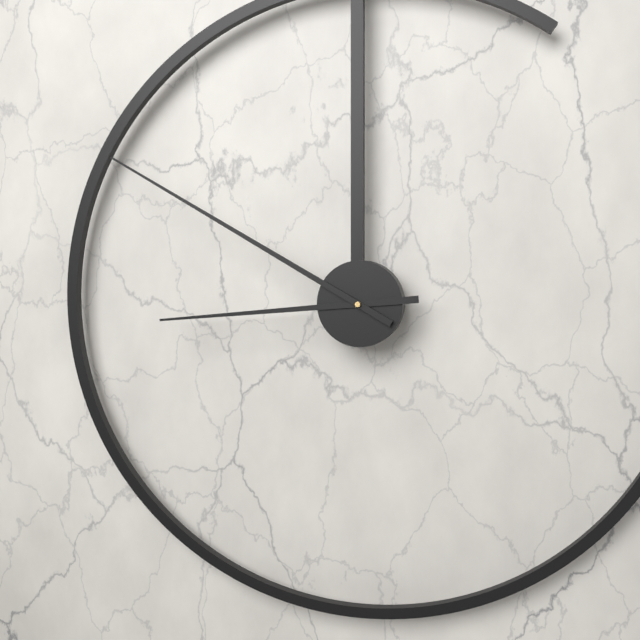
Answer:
8 h 50 min
